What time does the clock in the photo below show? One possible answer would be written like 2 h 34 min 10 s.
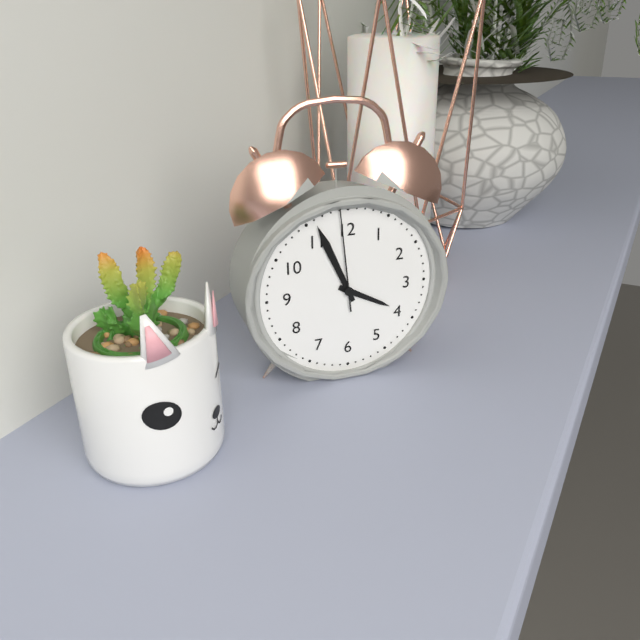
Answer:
3 h 56 min 59 s
